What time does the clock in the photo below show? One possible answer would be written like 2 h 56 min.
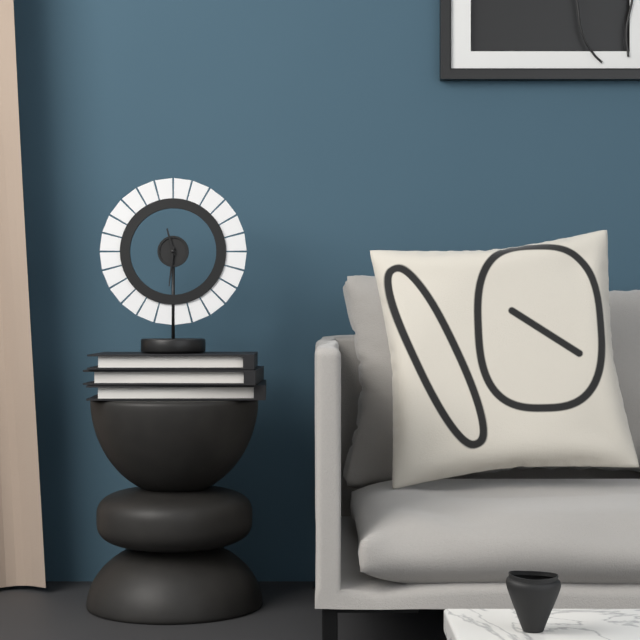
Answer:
11 h 31 min
